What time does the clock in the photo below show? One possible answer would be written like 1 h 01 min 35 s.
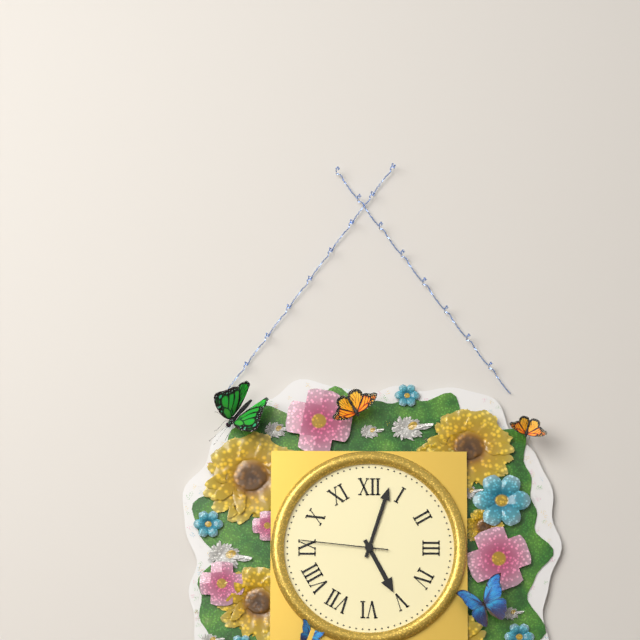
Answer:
5 h 03 min 46 s
